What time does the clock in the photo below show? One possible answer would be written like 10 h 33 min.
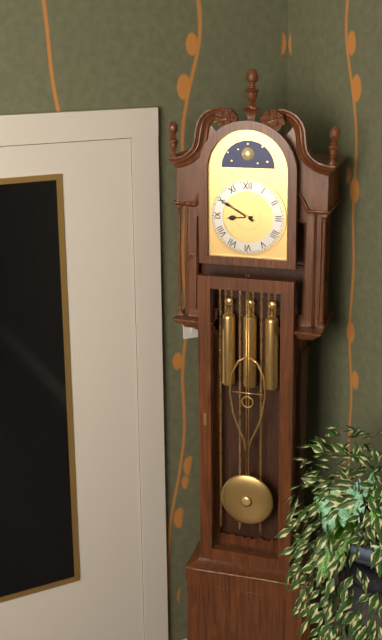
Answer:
8 h 50 min
